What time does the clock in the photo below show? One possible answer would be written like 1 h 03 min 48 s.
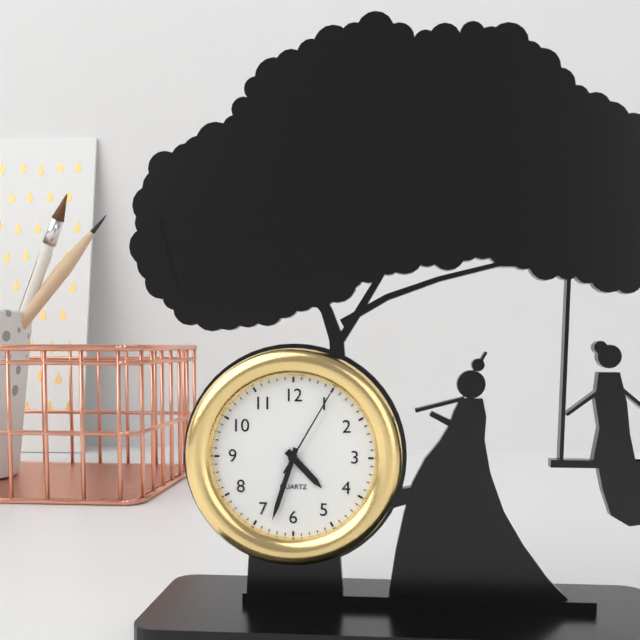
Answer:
4 h 33 min 05 s
